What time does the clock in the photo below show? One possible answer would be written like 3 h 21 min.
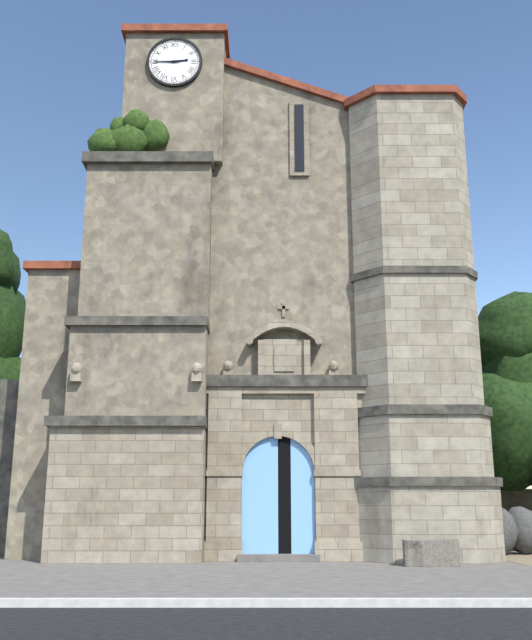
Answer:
2 h 45 min
